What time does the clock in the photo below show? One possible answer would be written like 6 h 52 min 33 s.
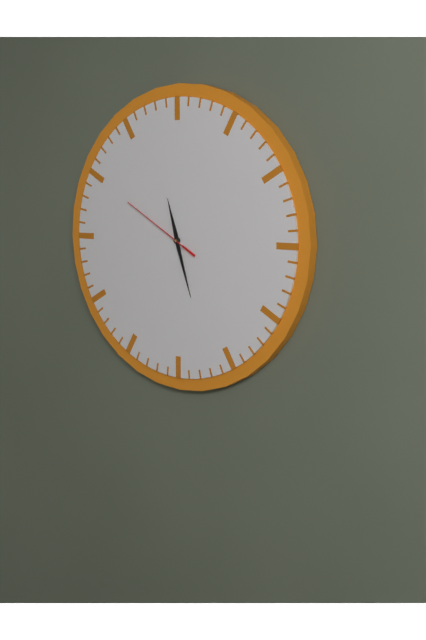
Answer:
11 h 27 min 50 s
